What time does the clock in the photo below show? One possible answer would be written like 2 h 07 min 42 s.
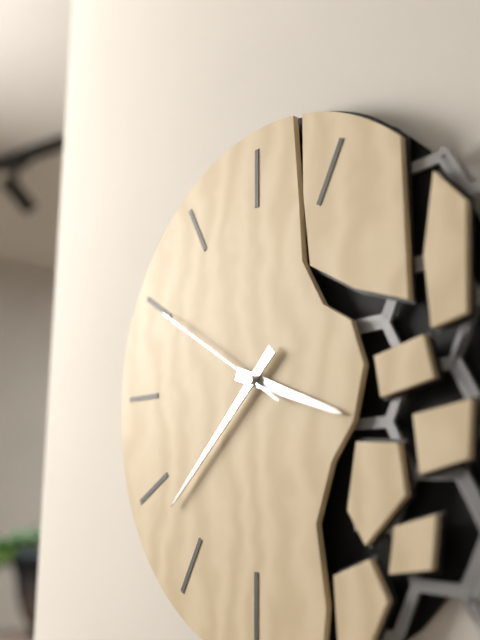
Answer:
3 h 38 min 50 s
